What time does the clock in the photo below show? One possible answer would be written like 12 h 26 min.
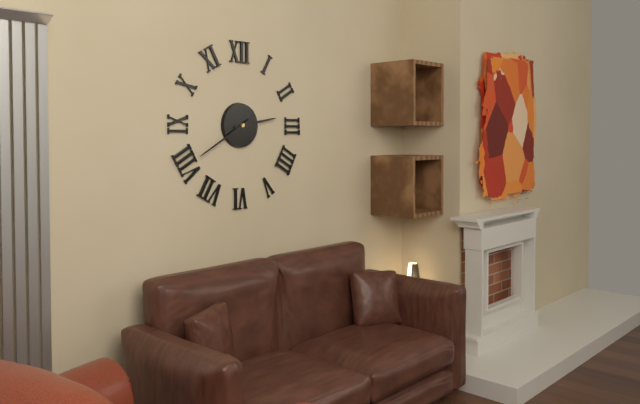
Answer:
2 h 40 min
